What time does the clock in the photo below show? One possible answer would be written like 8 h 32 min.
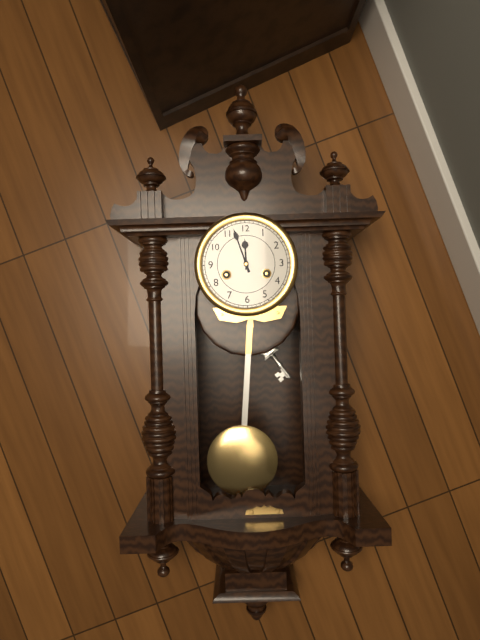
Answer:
11 h 57 min
